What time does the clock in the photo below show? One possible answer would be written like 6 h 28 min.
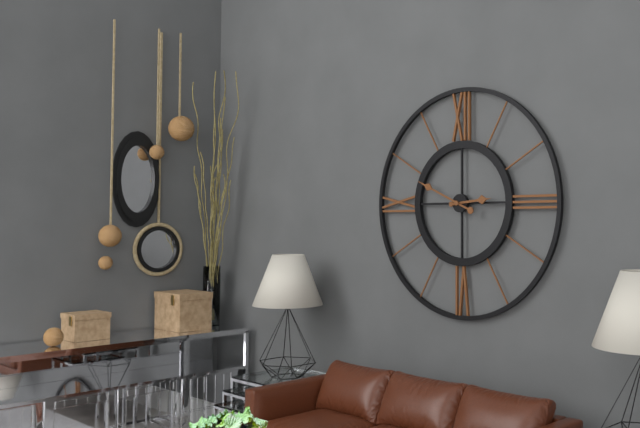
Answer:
2 h 49 min
